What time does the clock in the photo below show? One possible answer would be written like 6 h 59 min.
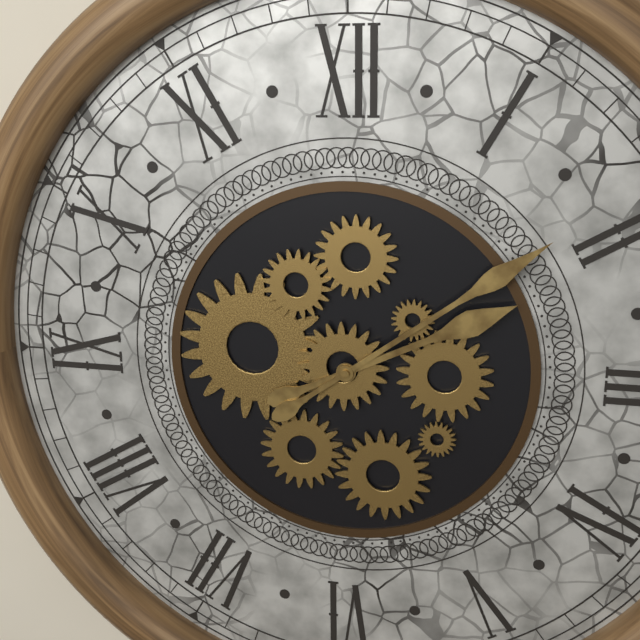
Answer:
2 h 09 min
